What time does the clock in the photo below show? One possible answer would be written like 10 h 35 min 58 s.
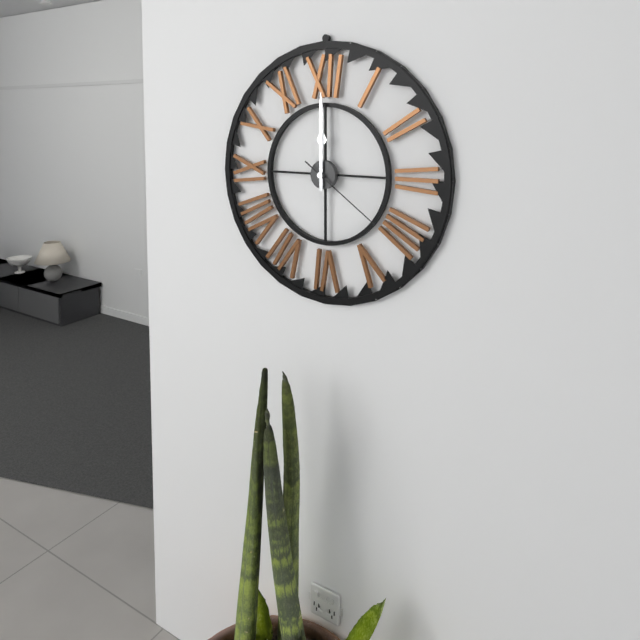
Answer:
12 h 00 min 21 s
